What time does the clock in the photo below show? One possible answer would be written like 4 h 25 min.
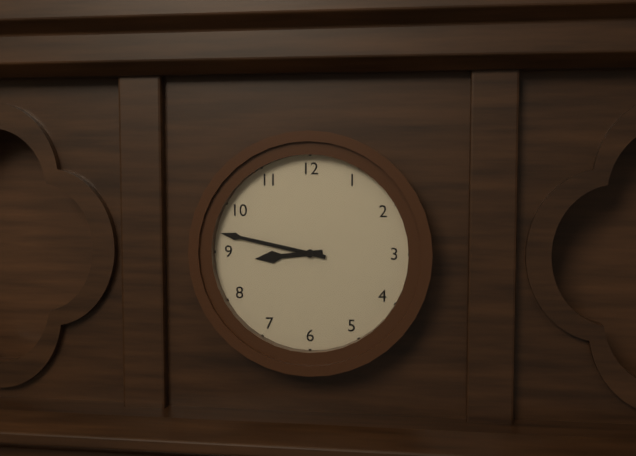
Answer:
8 h 47 min
